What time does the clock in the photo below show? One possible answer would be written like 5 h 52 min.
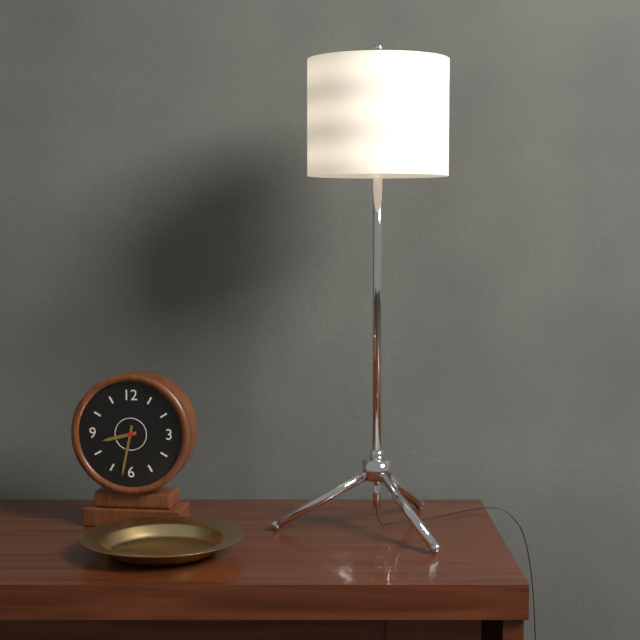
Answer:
8 h 32 min
